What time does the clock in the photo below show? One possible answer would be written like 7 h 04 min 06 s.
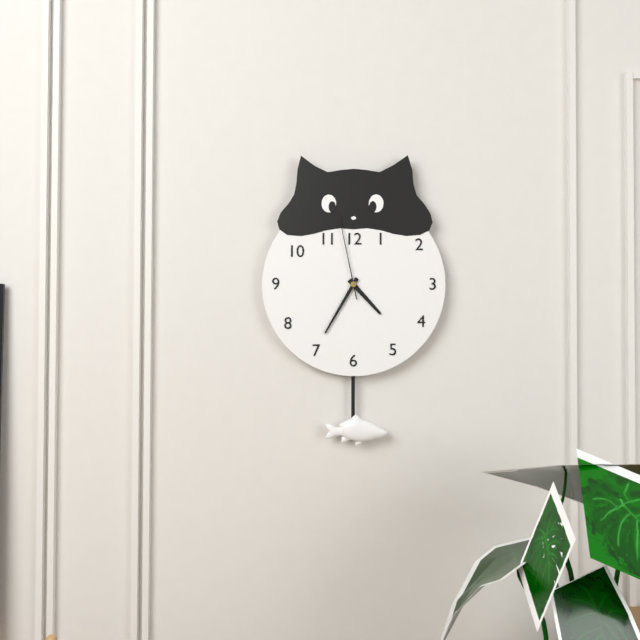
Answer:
4 h 35 min 58 s
